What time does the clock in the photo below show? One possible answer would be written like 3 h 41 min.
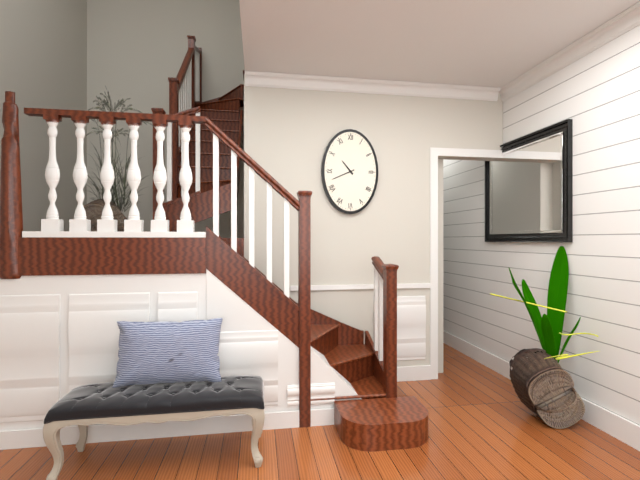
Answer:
10 h 41 min
